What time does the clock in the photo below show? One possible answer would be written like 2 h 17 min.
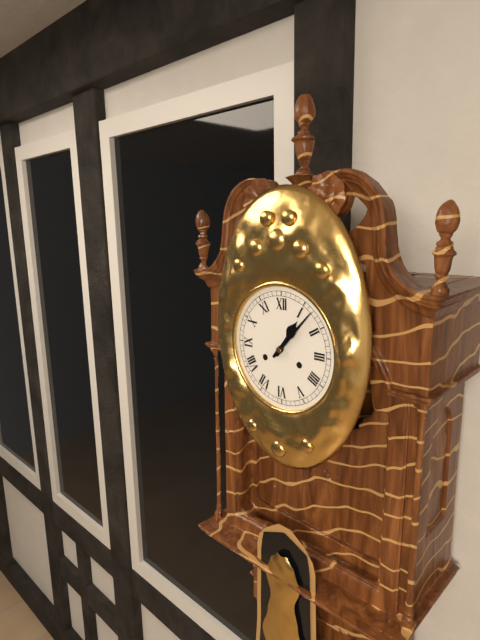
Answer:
1 h 07 min
